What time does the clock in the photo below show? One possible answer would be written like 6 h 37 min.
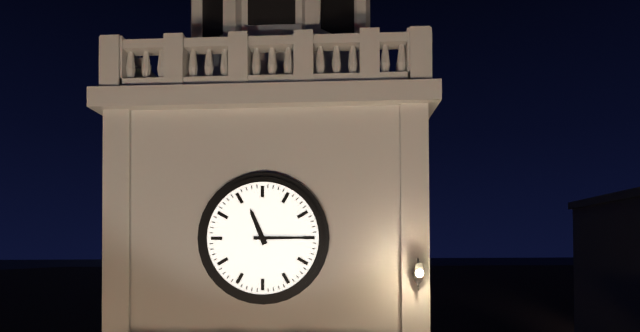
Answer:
11 h 15 min
